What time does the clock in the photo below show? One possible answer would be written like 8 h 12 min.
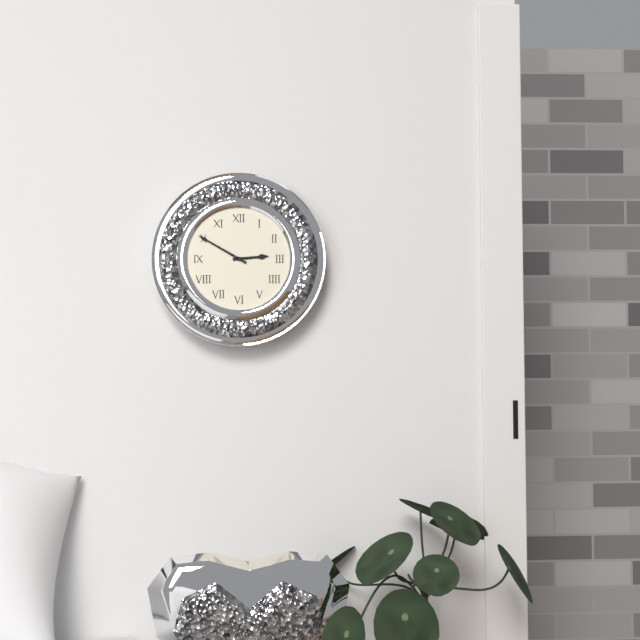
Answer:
2 h 50 min
